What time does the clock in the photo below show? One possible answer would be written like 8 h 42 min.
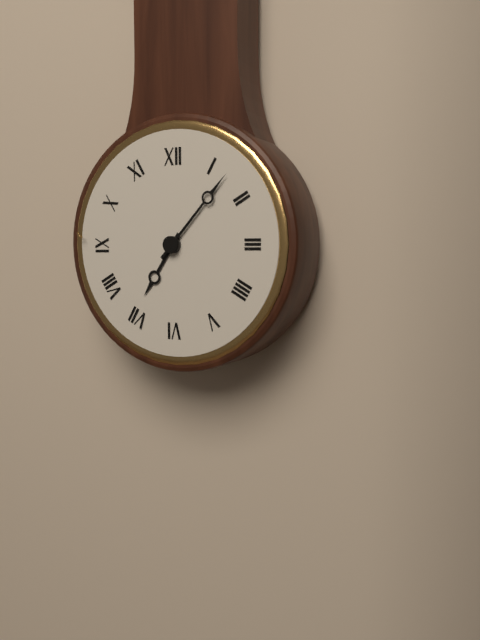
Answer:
7 h 07 min
